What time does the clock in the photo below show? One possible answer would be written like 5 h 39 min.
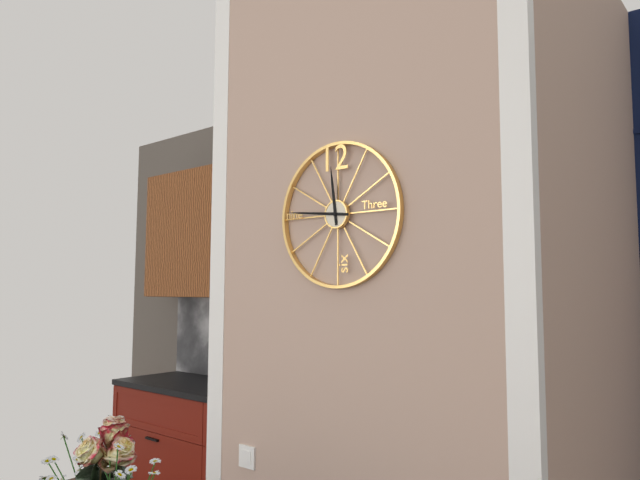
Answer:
11 h 46 min
